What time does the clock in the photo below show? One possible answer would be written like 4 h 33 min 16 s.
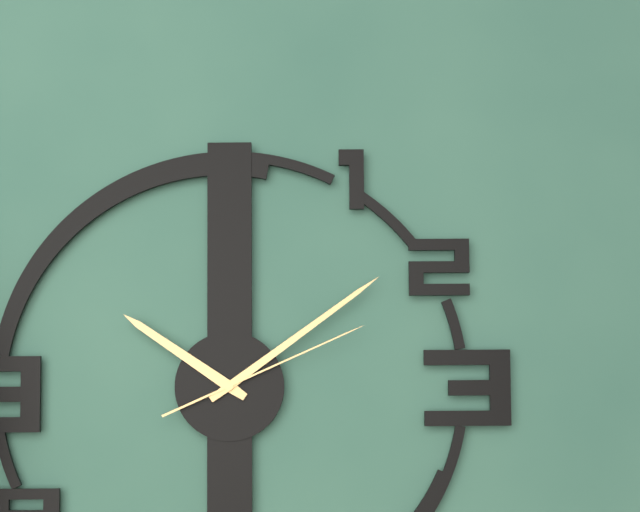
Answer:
10 h 09 min 11 s
